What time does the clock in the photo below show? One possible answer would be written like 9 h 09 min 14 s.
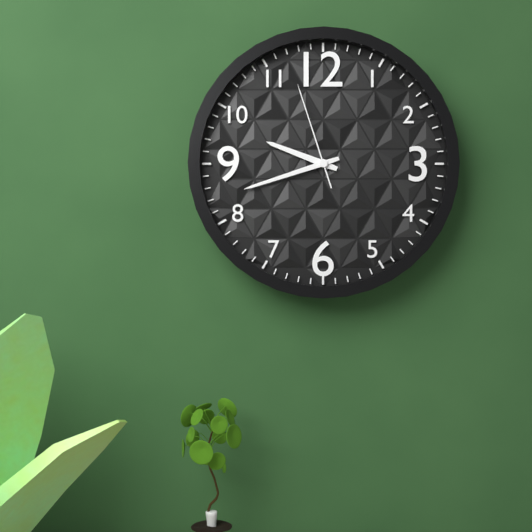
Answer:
9 h 42 min 57 s
